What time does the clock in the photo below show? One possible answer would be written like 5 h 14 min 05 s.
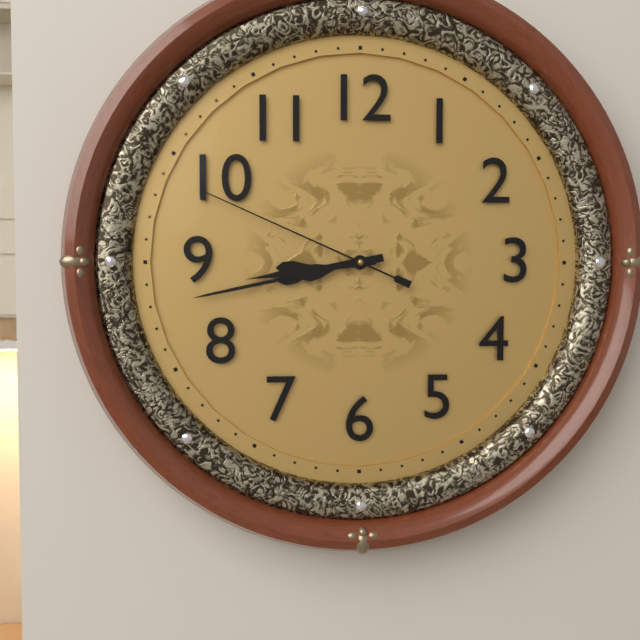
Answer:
8 h 43 min 49 s
